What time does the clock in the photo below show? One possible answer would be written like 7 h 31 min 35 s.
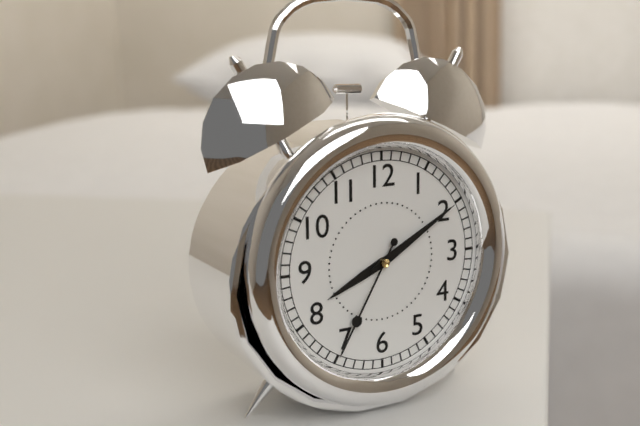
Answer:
8 h 10 min 35 s
